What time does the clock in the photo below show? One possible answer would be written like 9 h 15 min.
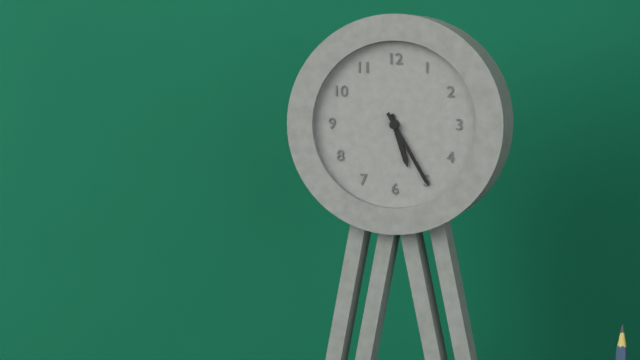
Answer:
5 h 25 min
